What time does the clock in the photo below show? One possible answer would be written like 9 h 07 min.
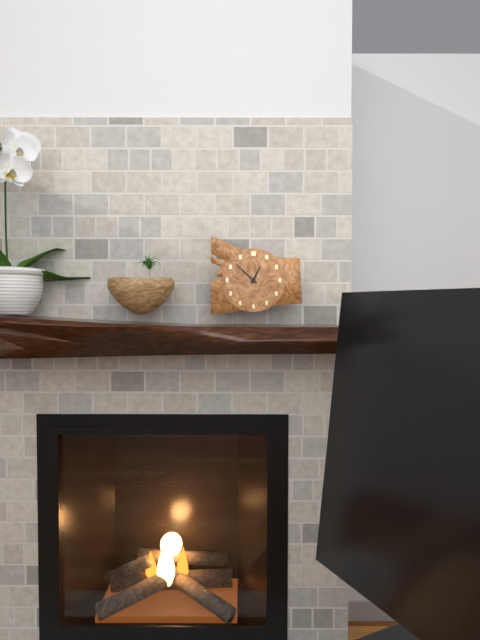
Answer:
12 h 52 min
